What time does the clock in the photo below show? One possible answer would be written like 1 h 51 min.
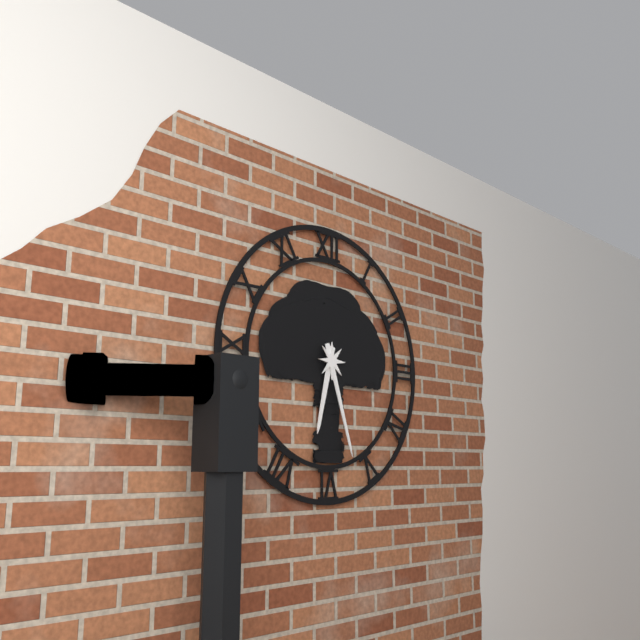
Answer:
6 h 27 min
